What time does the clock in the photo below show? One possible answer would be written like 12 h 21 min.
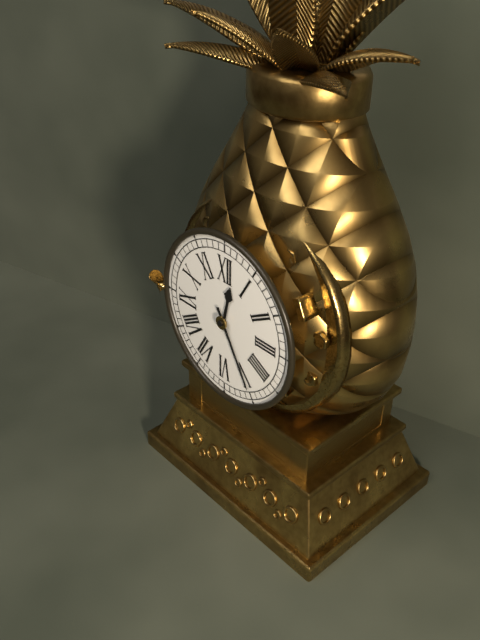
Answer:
12 h 25 min
